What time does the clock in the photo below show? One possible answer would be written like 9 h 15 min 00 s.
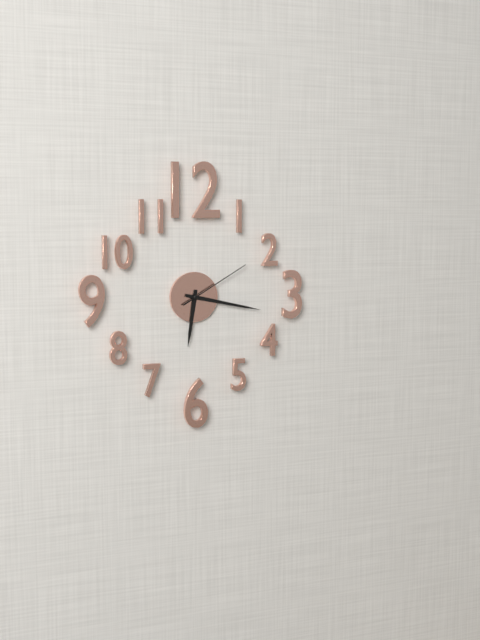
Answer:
6 h 17 min 10 s
